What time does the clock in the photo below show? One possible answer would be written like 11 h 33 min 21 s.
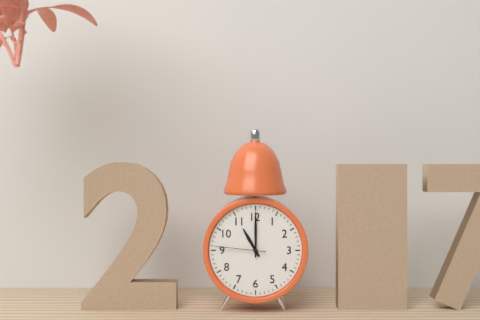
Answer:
11 h 00 min 46 s
